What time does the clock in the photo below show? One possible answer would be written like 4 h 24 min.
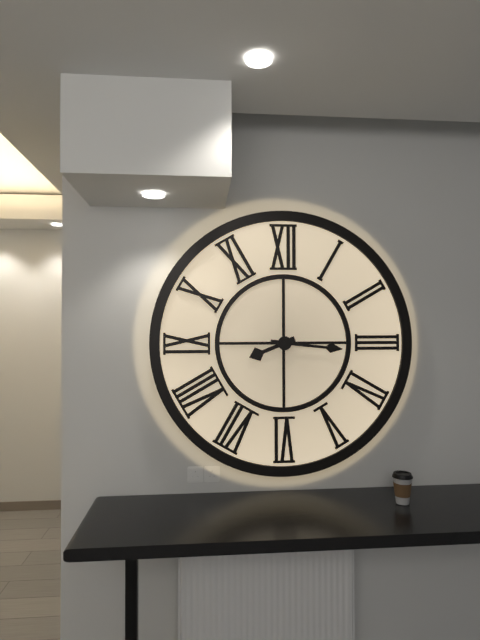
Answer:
8 h 16 min
